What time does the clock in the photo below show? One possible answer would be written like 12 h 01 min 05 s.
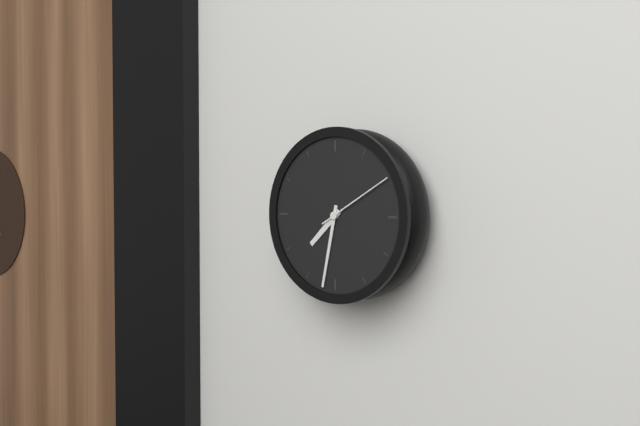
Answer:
7 h 32 min 10 s
